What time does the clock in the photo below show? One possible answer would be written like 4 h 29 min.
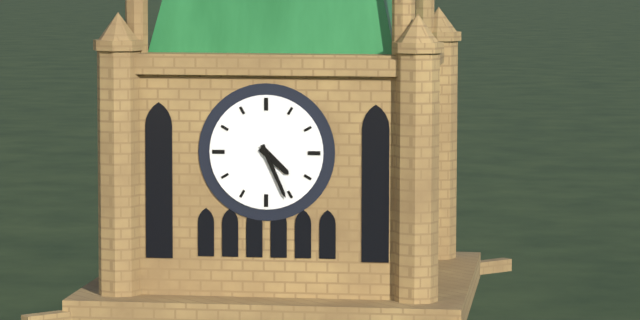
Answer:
4 h 26 min
